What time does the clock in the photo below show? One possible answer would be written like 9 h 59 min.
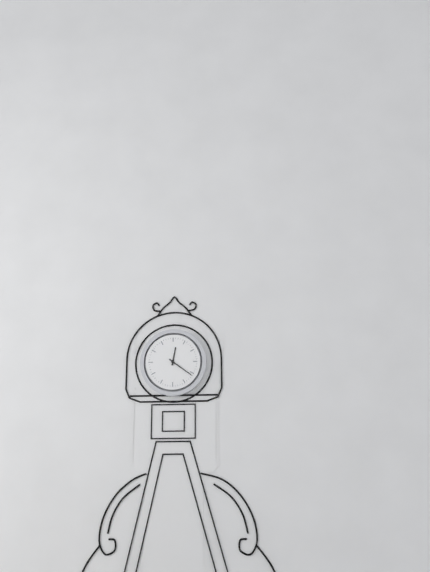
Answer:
12 h 21 min
